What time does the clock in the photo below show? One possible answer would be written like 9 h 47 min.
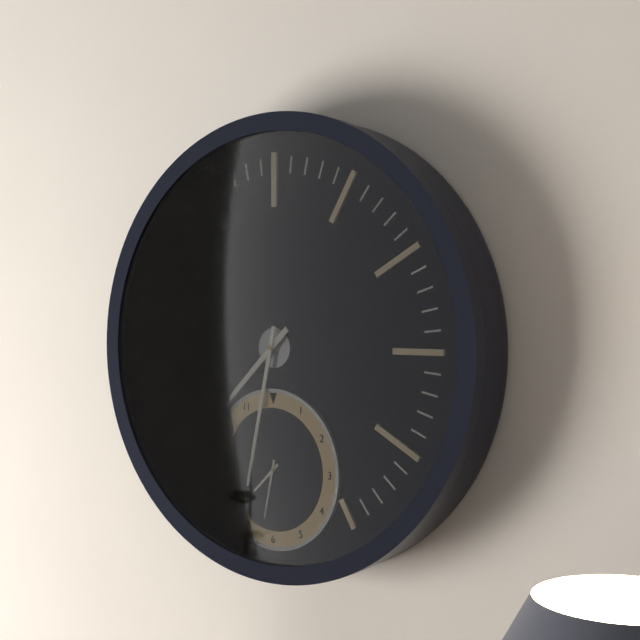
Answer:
7 h 32 min
